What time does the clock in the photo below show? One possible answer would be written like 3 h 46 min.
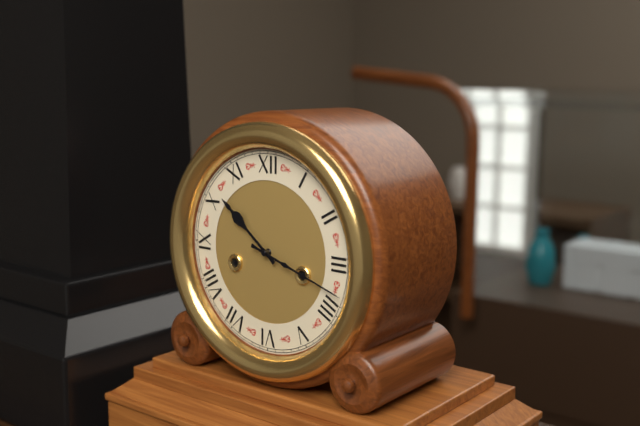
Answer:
10 h 18 min
